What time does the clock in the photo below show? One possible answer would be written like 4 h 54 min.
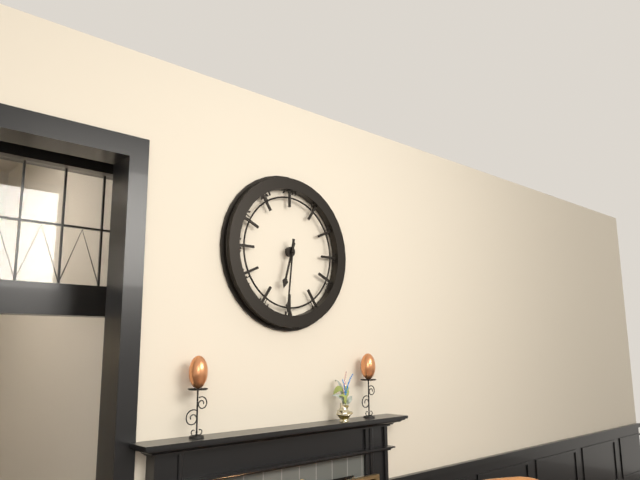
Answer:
6 h 31 min
